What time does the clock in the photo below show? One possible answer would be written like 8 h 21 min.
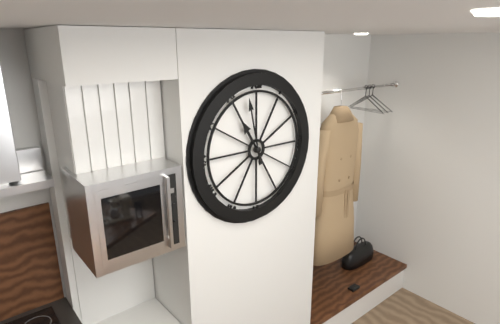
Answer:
10 h 58 min
